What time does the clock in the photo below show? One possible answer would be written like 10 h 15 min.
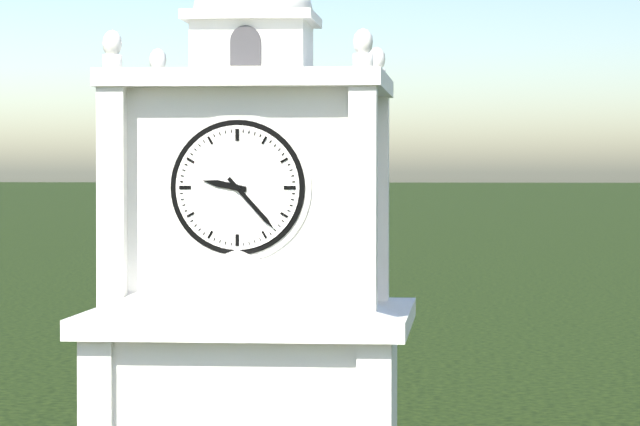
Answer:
9 h 23 min
